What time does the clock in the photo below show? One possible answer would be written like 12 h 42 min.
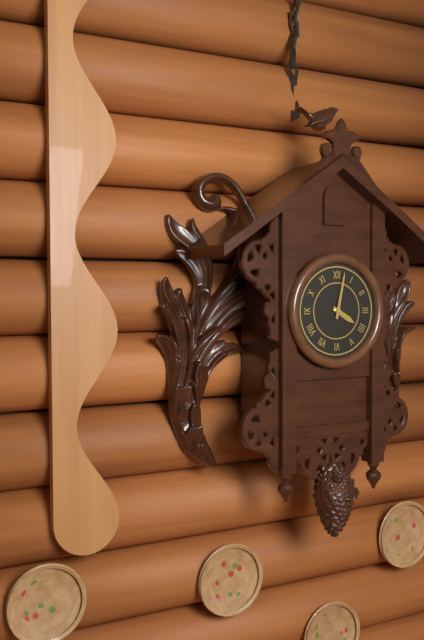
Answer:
4 h 02 min
